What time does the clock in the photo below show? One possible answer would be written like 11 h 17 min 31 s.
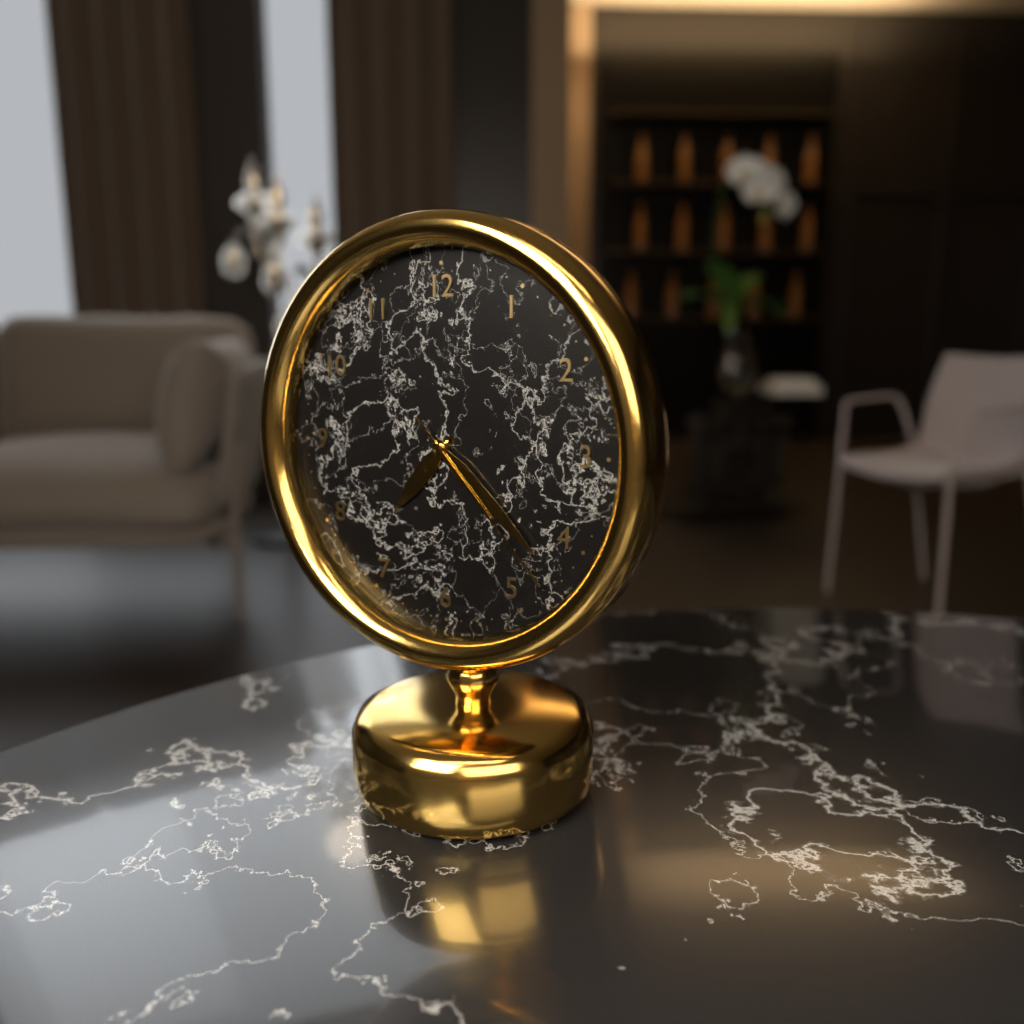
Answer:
7 h 22 min 23 s
